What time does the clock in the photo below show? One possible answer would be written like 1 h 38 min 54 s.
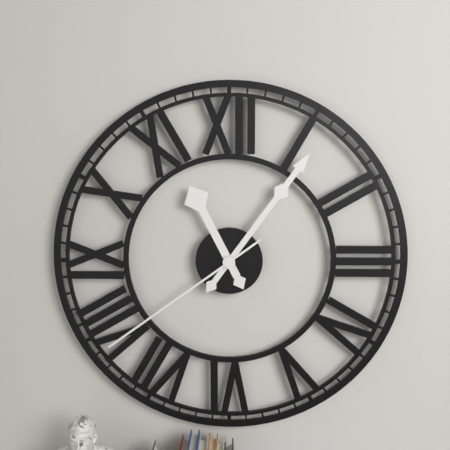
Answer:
11 h 06 min 39 s
